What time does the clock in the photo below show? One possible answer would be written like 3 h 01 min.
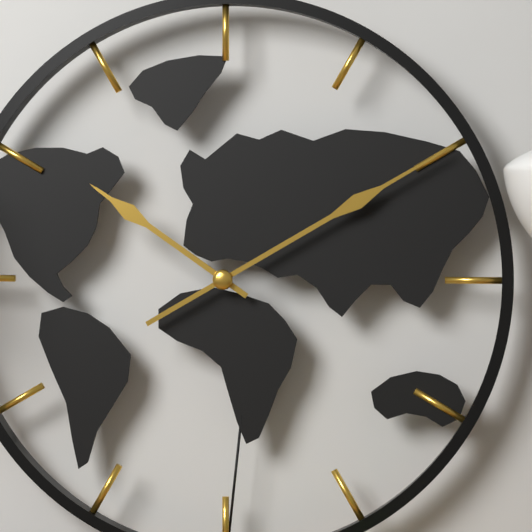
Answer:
10 h 10 min
